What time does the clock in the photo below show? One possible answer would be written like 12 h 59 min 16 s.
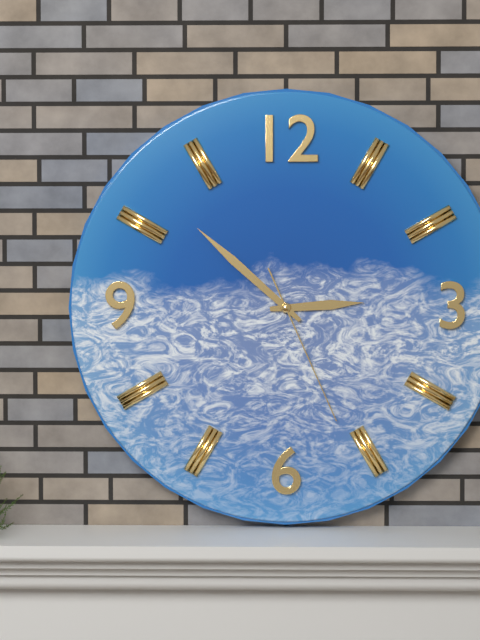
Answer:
2 h 52 min 26 s
